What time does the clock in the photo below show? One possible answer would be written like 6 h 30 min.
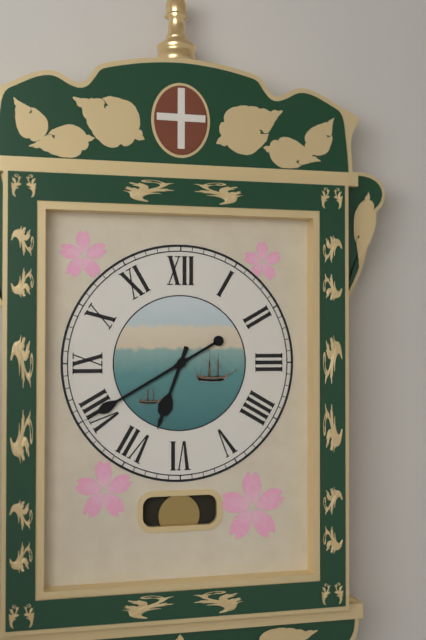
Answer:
6 h 40 min
